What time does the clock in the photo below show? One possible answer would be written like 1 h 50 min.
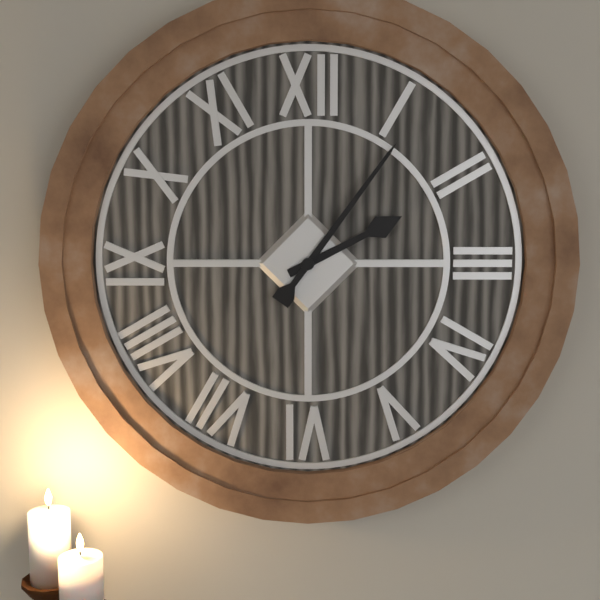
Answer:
2 h 06 min
